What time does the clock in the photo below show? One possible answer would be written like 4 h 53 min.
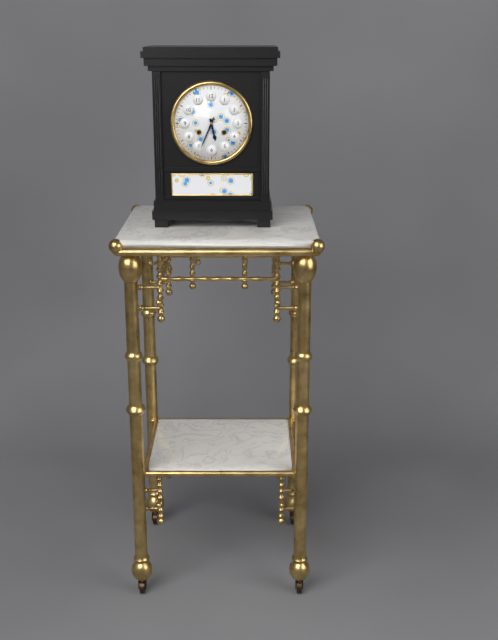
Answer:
5 h 34 min
